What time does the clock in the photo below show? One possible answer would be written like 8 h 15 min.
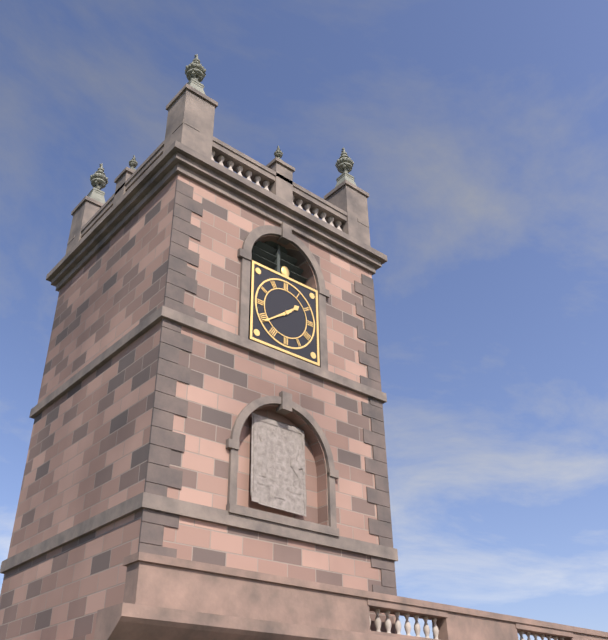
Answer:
1 h 39 min
